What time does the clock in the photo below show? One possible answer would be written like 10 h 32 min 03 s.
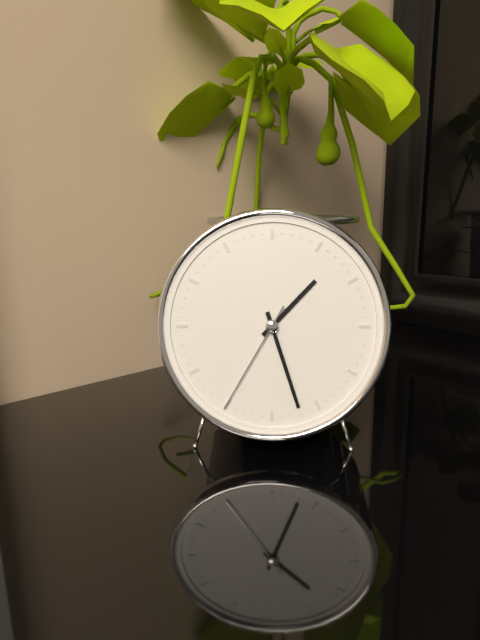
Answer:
1 h 27 min 35 s
